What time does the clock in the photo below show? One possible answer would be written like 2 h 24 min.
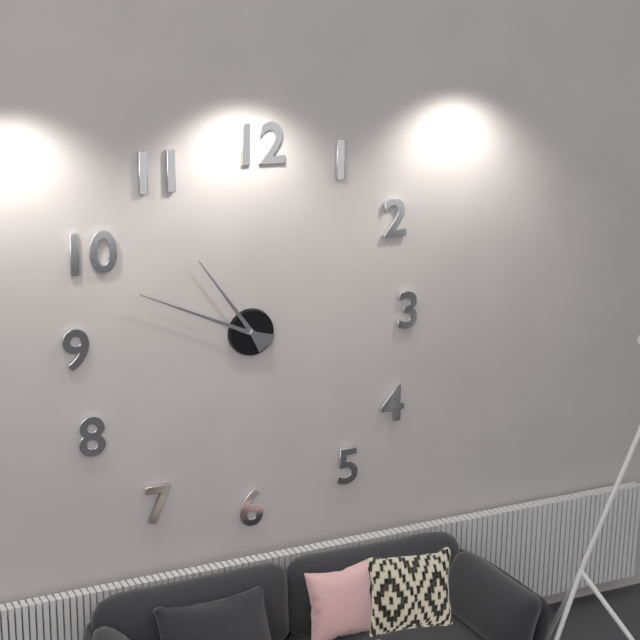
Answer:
10 h 49 min
